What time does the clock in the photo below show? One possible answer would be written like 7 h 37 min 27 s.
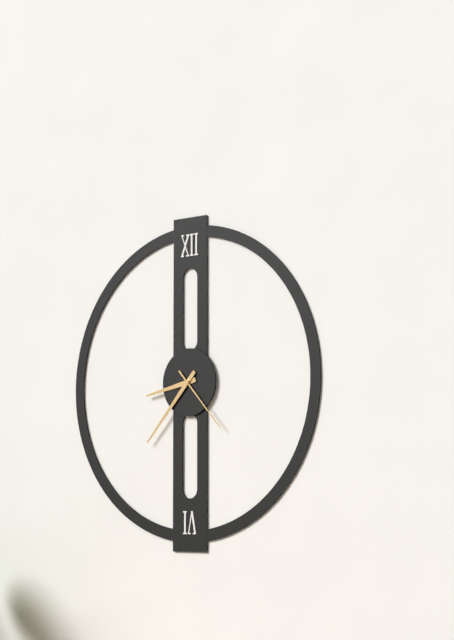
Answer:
8 h 37 min 23 s
